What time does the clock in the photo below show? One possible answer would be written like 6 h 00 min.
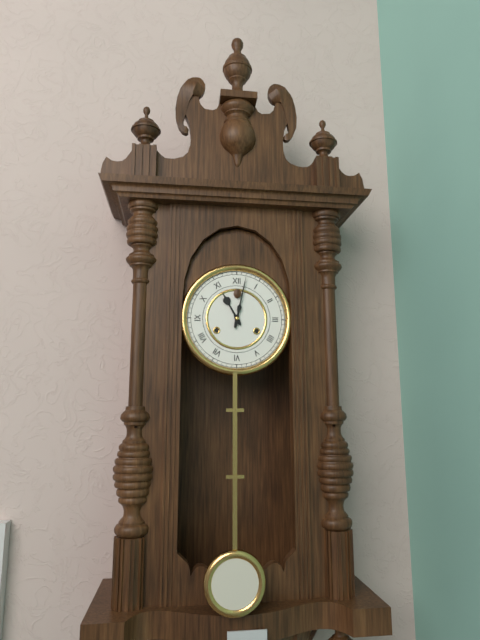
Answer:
11 h 02 min
